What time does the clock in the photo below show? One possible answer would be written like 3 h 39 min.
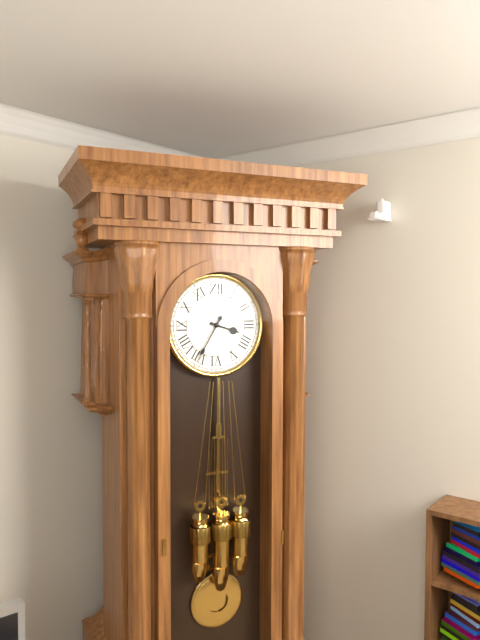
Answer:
3 h 35 min
